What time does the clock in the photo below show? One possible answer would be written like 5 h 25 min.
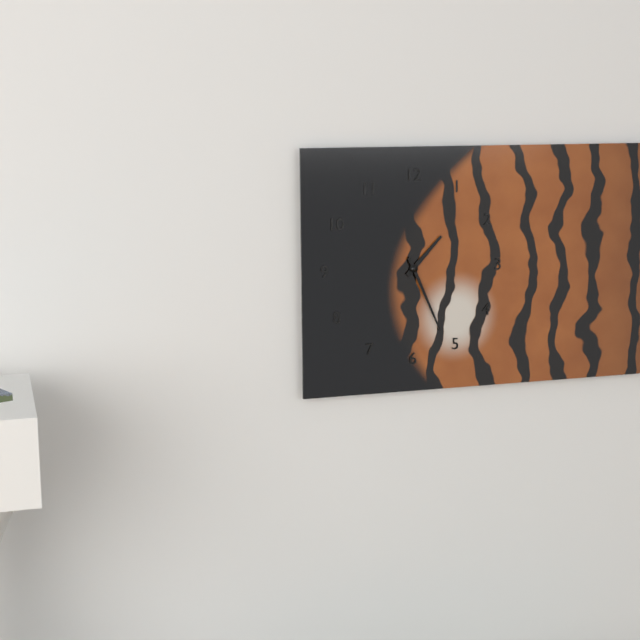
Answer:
1 h 26 min
